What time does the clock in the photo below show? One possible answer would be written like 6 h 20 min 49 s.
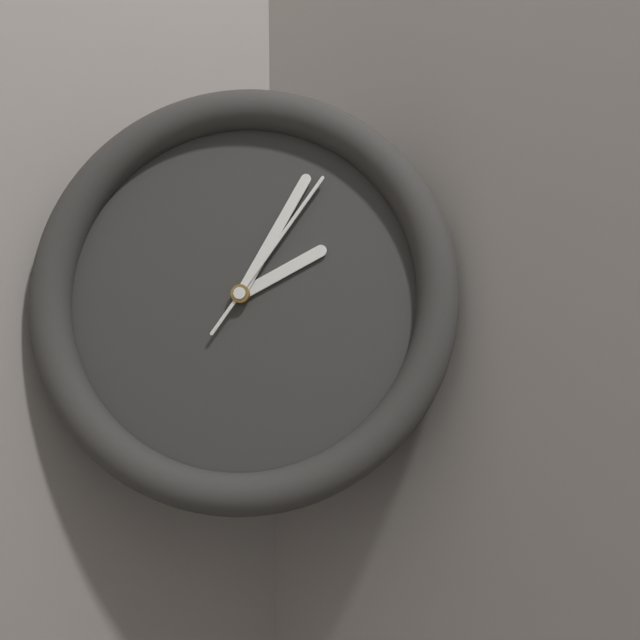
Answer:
2 h 05 min 06 s
